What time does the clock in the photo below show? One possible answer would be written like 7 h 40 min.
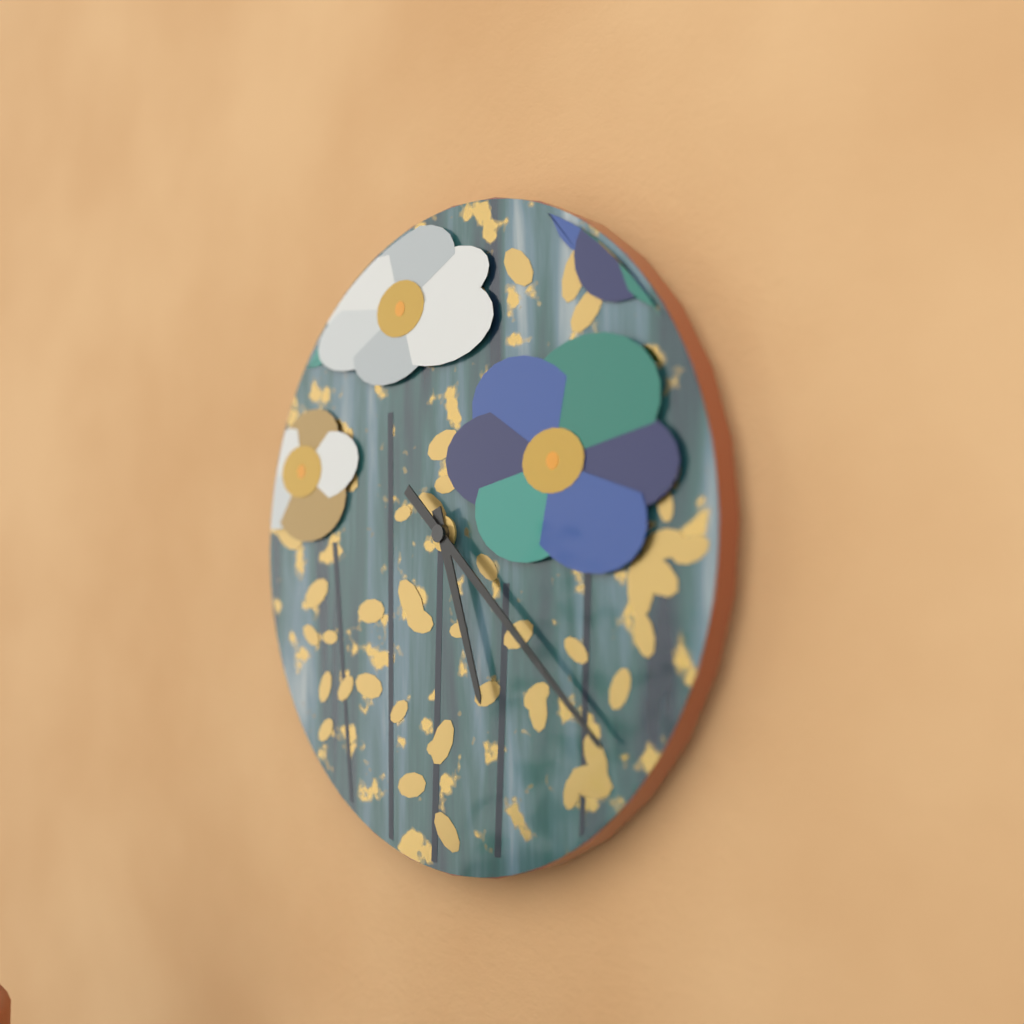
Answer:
5 h 22 min
